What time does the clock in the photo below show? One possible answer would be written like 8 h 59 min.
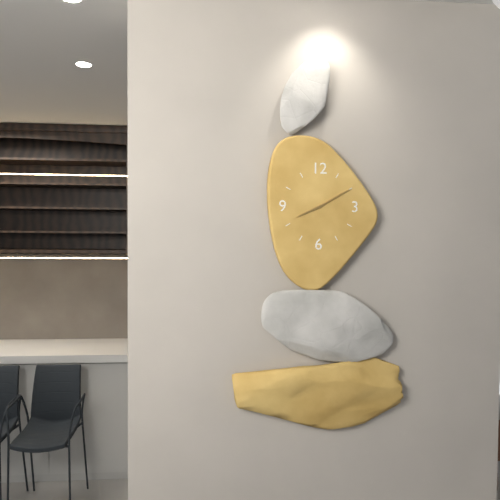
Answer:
8 h 10 min
